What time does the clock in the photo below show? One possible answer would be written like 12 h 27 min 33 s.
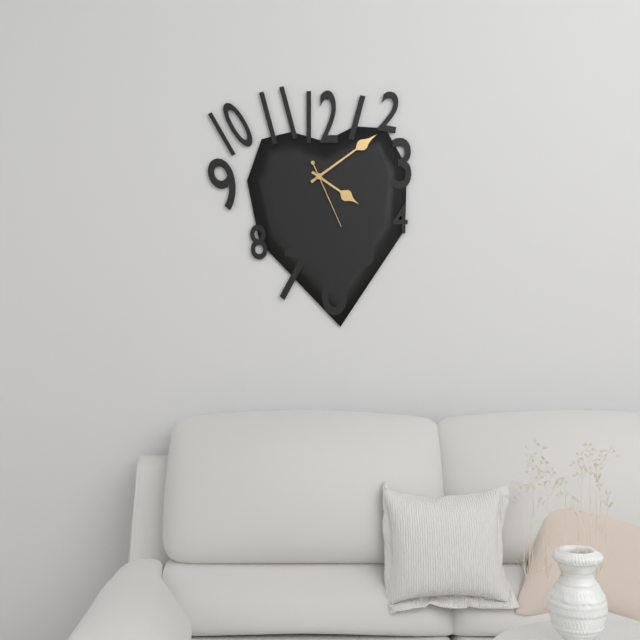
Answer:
4 h 09 min 26 s
